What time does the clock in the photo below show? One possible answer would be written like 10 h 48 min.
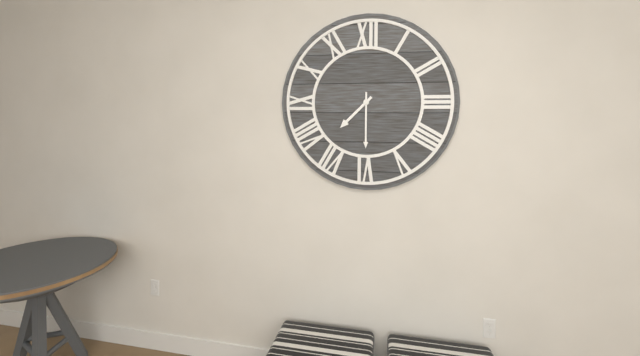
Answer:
7 h 30 min
